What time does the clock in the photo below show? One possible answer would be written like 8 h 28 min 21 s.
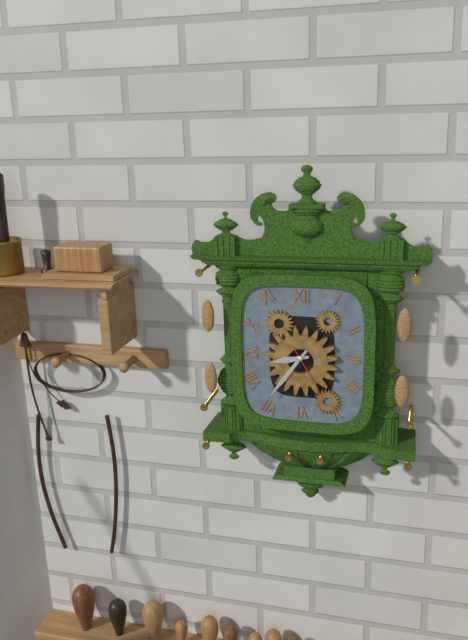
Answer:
8 h 36 min 25 s
